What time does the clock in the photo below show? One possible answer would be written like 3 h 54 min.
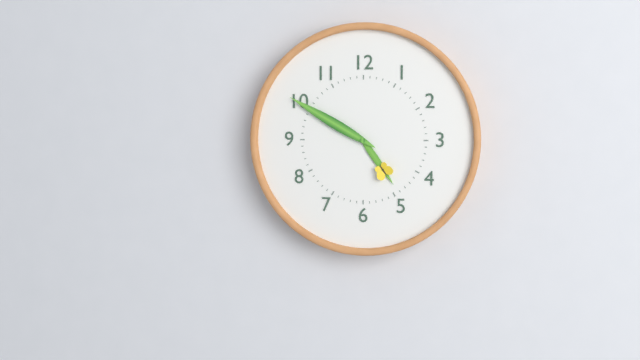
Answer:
4 h 50 min
